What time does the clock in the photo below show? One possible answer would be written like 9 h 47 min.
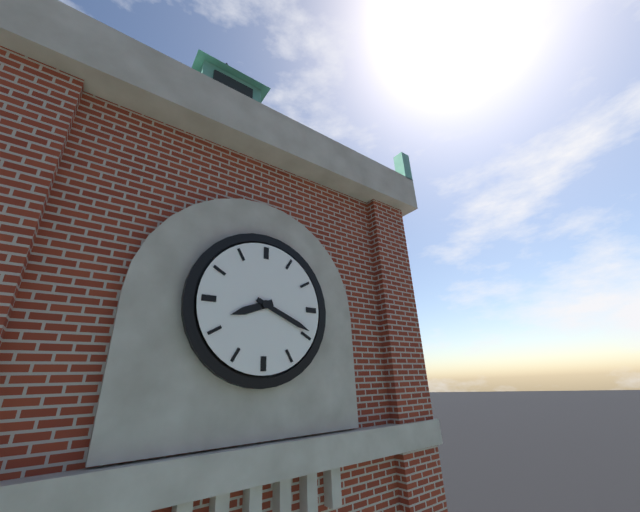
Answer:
8 h 19 min
